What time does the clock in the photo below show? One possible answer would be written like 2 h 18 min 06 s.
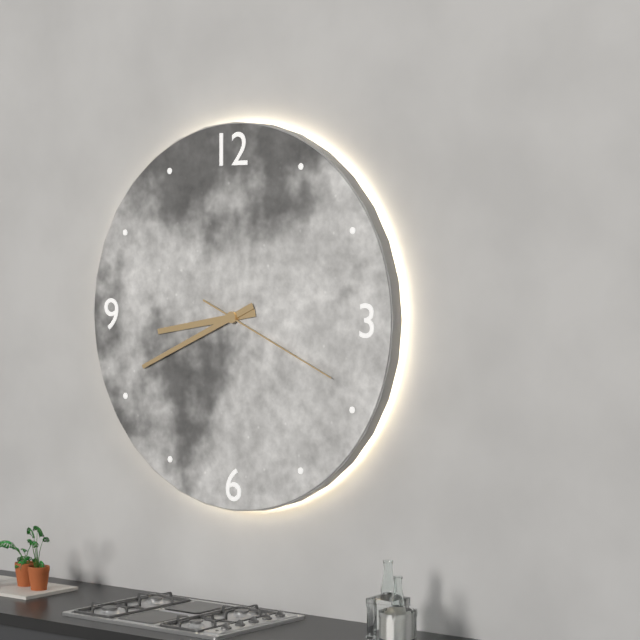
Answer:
8 h 41 min 19 s
